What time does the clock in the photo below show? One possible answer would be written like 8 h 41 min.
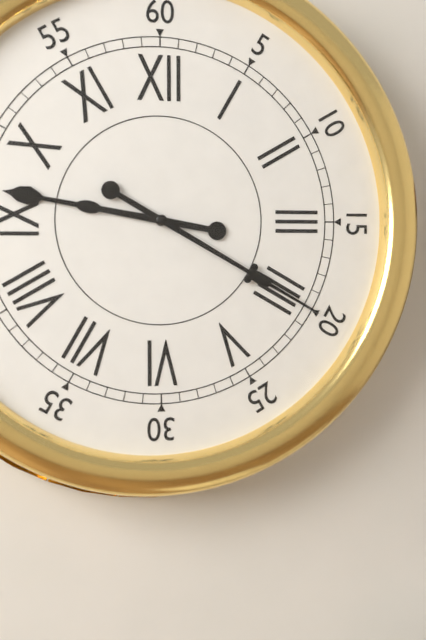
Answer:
9 h 20 min
